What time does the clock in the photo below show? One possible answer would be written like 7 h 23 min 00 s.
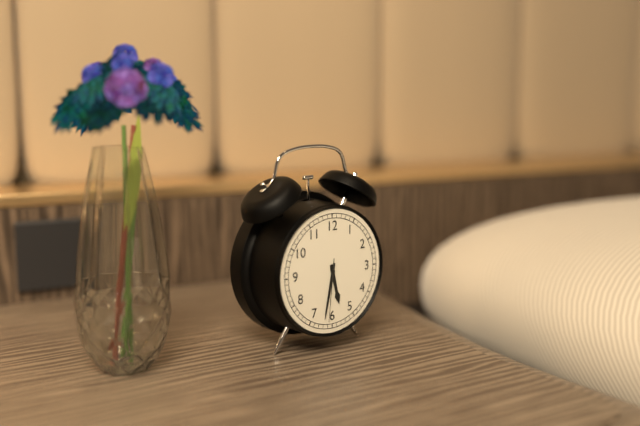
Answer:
5 h 32 min 31 s
